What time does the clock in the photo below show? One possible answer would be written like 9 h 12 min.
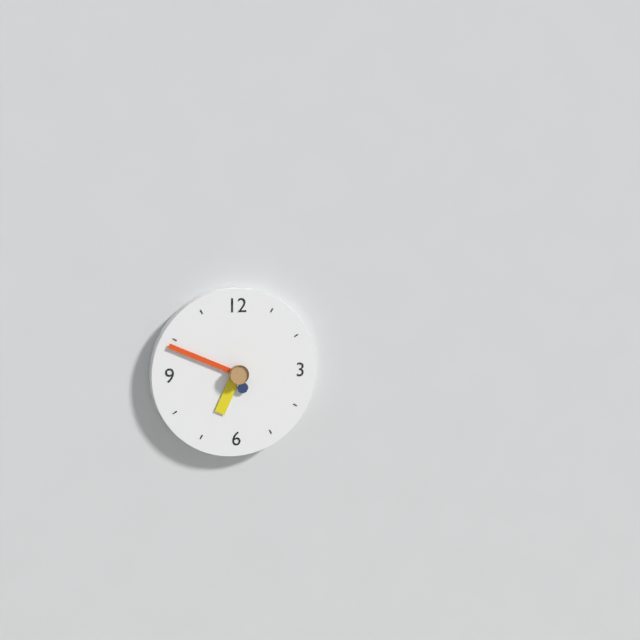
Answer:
6 h 49 min
